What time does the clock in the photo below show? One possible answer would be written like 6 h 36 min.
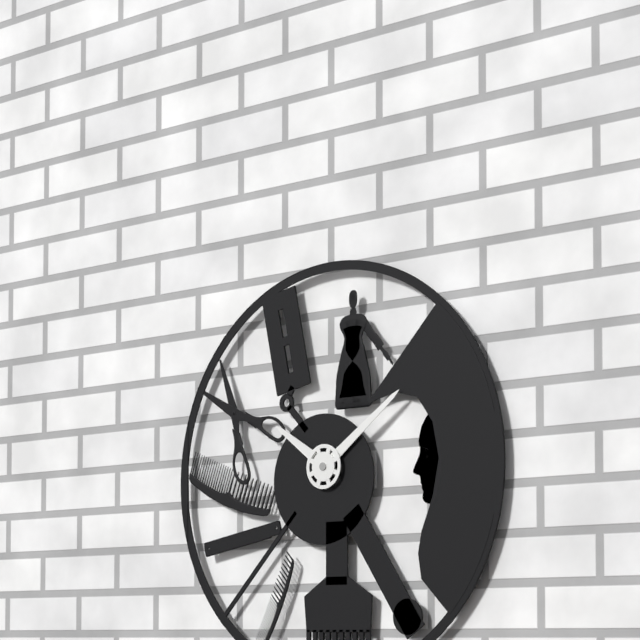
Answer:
10 h 09 min
